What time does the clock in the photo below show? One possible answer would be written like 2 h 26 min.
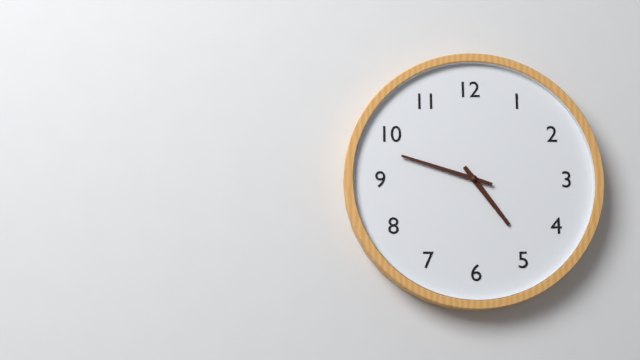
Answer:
4 h 48 min
